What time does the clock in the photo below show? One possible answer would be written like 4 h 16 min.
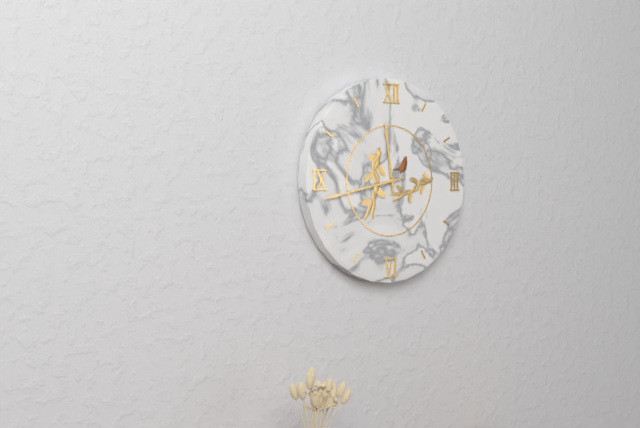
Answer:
11 h 43 min
